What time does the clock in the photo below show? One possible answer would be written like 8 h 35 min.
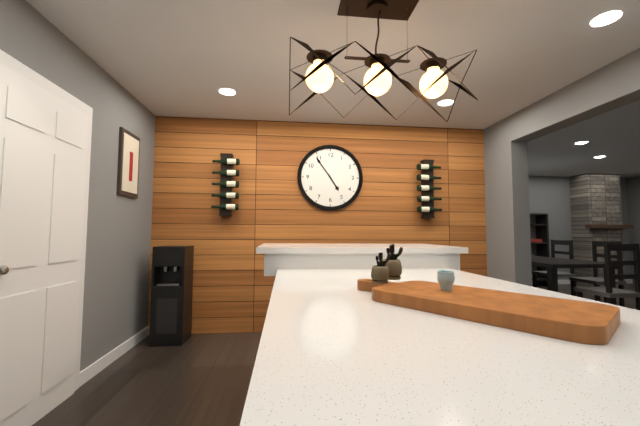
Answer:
4 h 54 min
